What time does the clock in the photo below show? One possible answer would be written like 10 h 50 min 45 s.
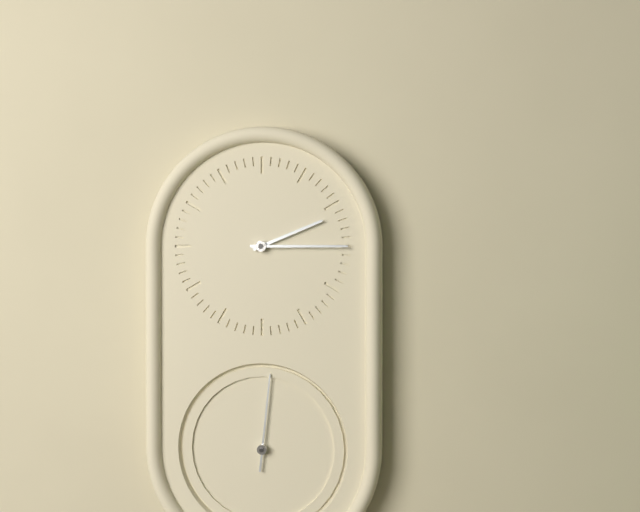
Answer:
2 h 15 min 01 s
